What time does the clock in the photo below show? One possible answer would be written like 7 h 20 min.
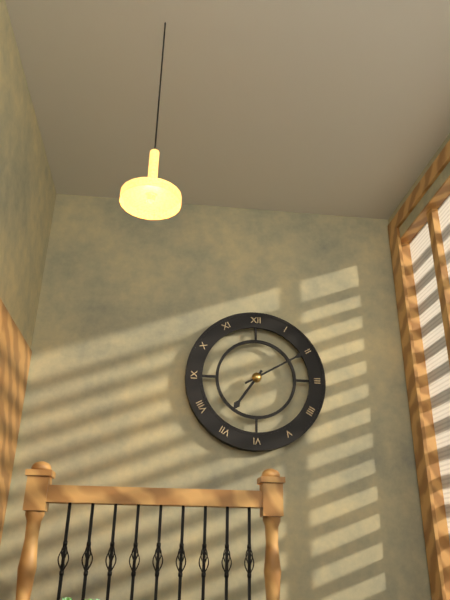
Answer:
7 h 10 min
